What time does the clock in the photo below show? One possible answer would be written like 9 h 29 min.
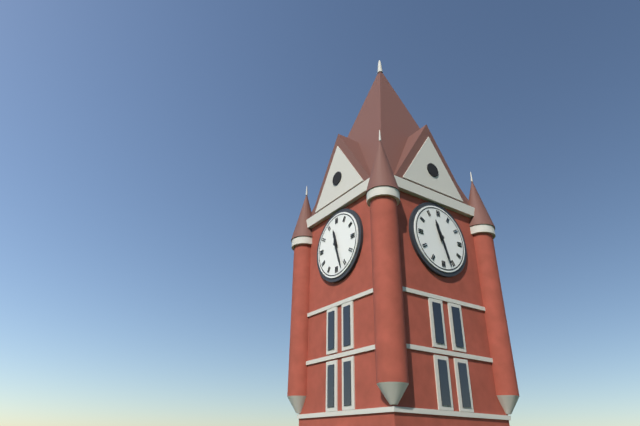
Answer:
11 h 27 min
